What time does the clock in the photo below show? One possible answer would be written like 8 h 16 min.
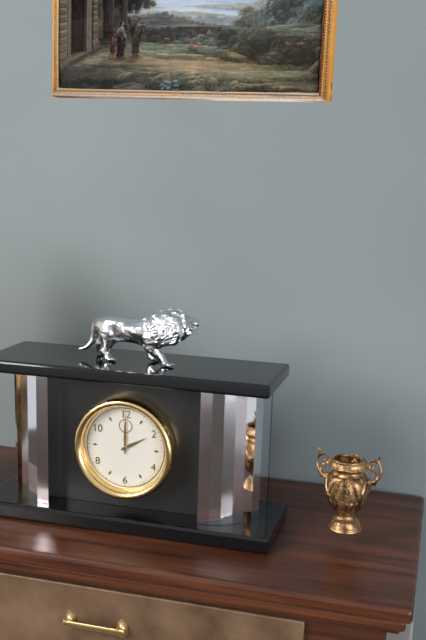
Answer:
2 h 00 min
